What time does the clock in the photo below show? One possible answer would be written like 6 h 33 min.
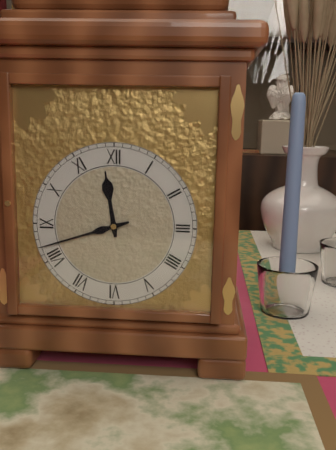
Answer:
11 h 42 min
